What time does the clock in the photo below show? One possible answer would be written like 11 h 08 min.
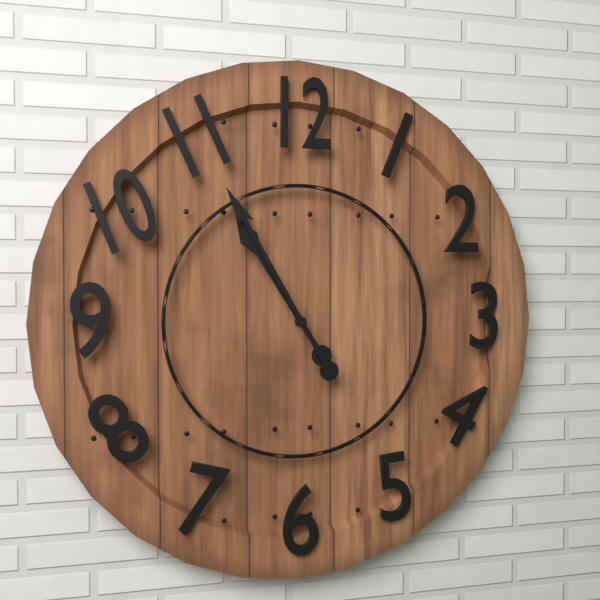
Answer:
10 h 55 min
